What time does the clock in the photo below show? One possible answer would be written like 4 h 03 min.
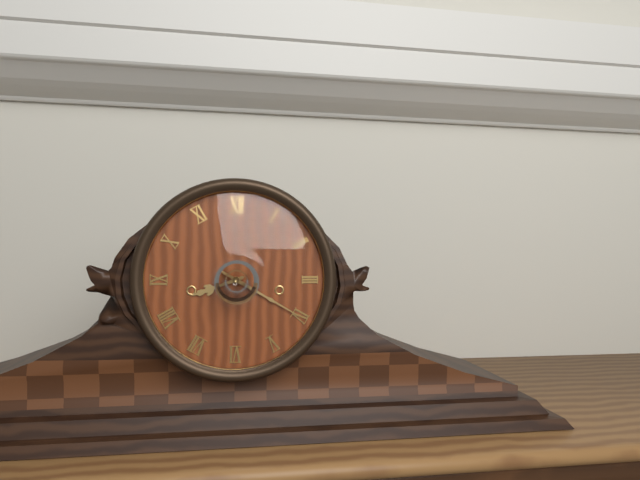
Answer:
8 h 20 min
